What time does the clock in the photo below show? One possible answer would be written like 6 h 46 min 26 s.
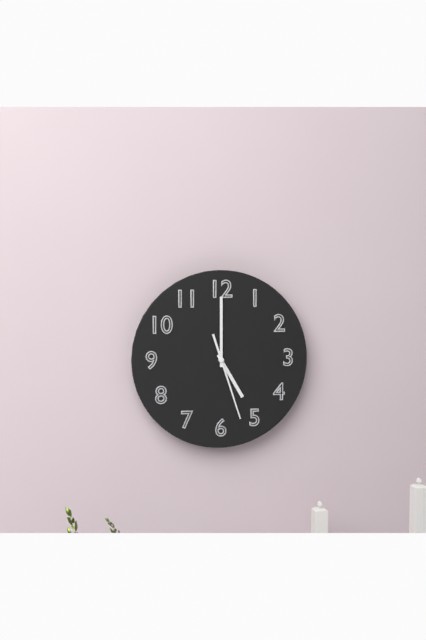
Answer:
5 h 00 min 27 s
